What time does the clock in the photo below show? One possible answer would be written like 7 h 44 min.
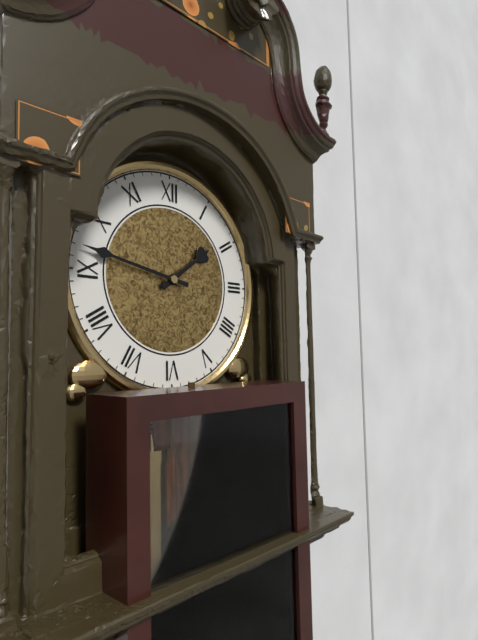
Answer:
1 h 47 min
